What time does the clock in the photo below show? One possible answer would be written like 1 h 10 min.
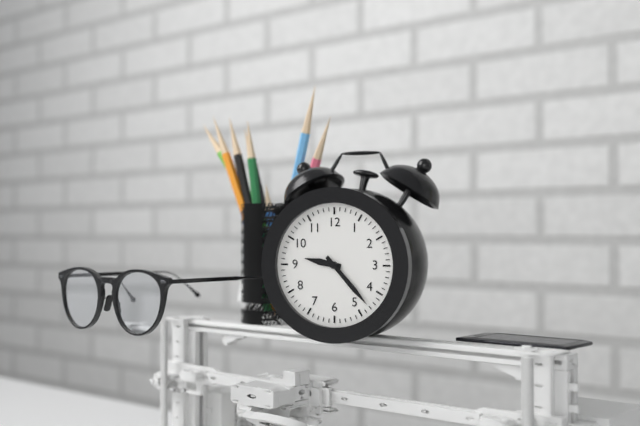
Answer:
9 h 23 min
